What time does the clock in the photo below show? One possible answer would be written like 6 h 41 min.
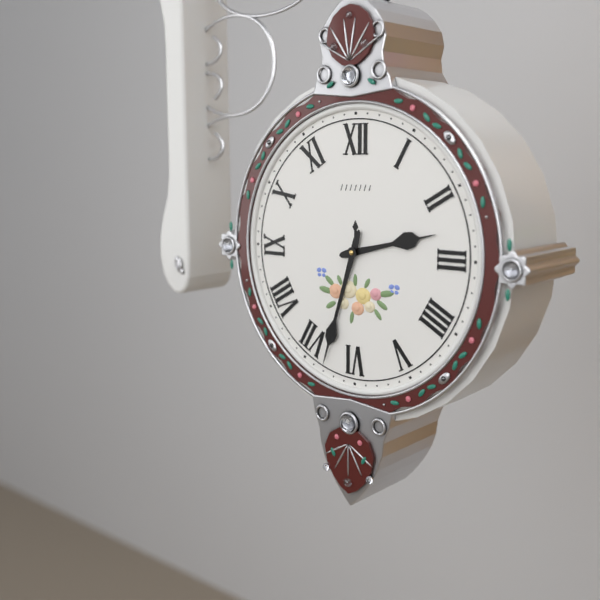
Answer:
2 h 33 min
